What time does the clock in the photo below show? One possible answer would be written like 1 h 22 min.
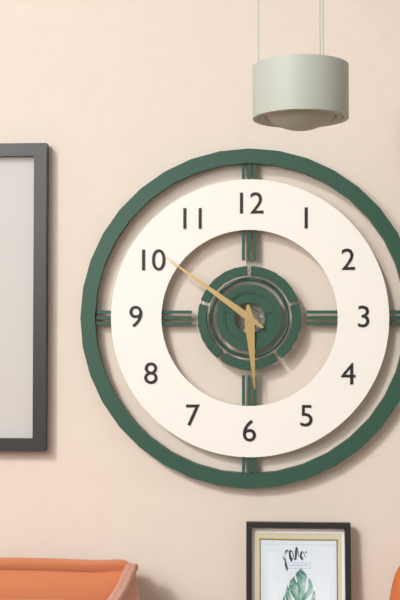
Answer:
5 h 51 min
